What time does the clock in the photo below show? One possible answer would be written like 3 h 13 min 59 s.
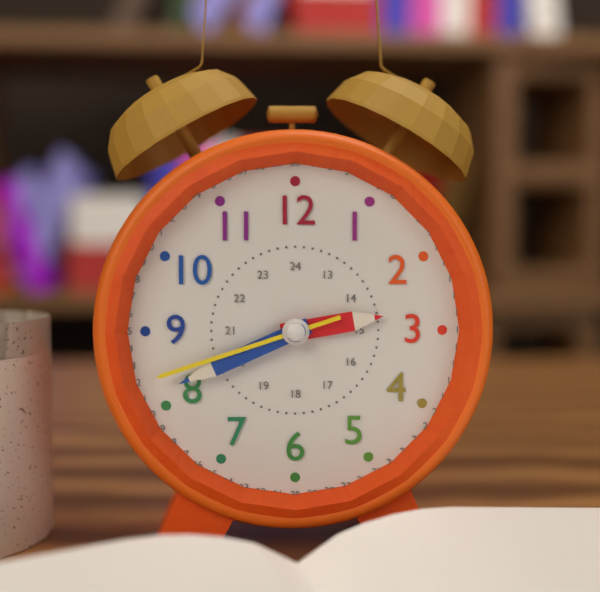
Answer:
2 h 41 min 42 s
